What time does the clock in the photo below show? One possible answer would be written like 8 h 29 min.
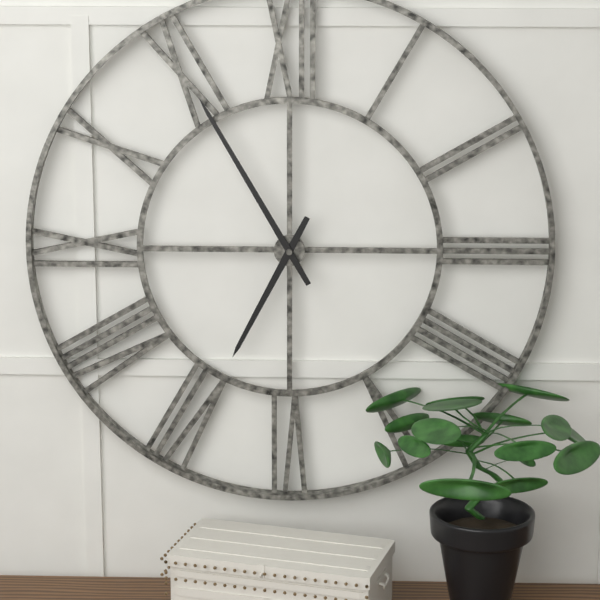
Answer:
6 h 55 min
